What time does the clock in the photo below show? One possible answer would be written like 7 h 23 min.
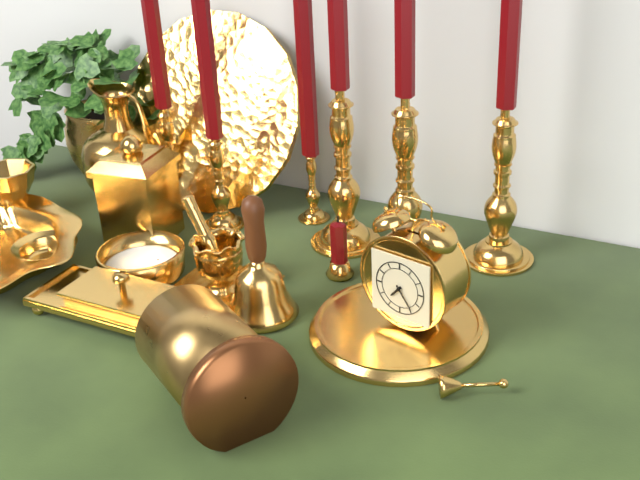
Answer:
7 h 24 min
